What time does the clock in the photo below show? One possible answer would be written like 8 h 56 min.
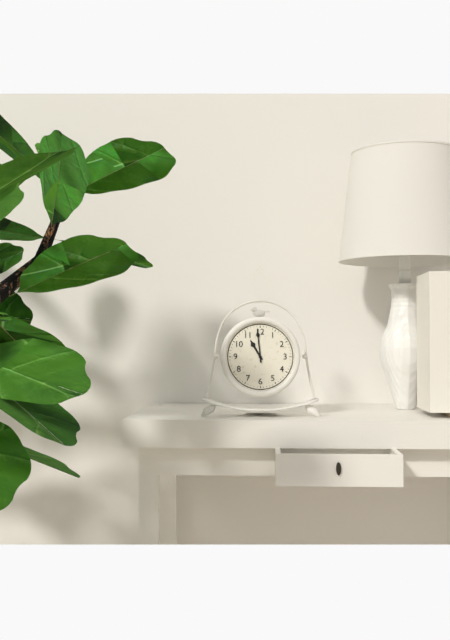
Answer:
10 h 59 min
